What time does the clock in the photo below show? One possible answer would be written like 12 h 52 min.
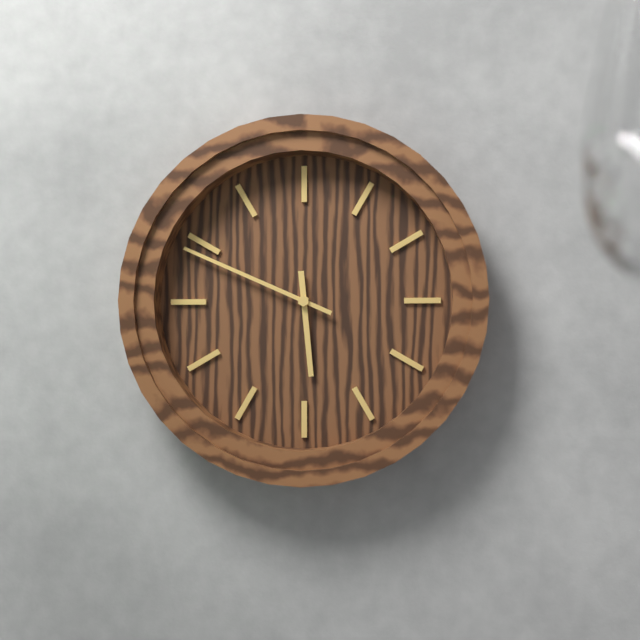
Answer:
5 h 49 min
